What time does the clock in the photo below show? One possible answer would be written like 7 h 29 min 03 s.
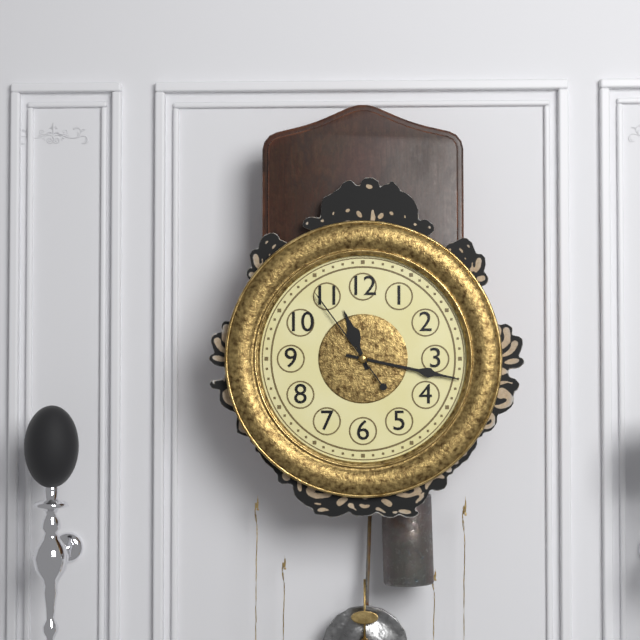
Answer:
11 h 17 min 54 s
